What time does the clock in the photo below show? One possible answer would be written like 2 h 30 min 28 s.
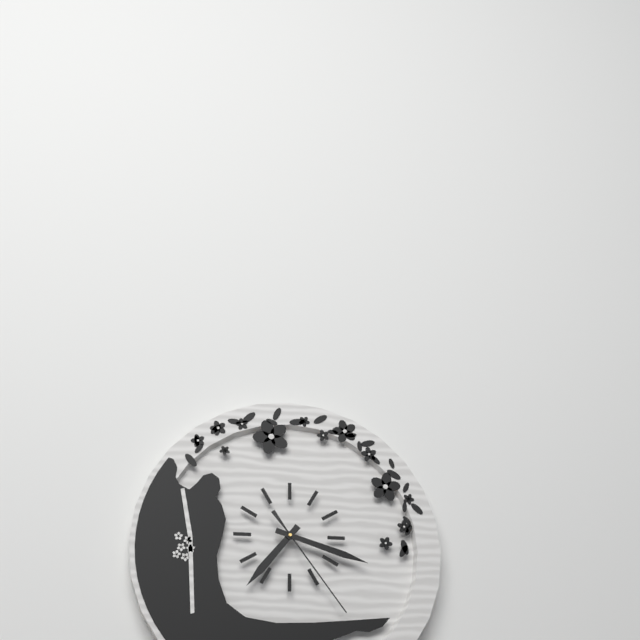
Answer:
7 h 18 min 24 s
